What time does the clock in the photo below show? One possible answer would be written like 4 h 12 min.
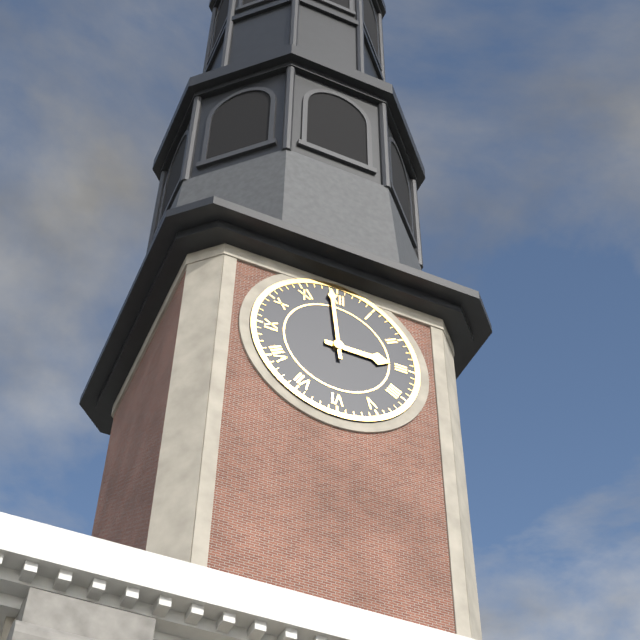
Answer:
2 h 59 min
